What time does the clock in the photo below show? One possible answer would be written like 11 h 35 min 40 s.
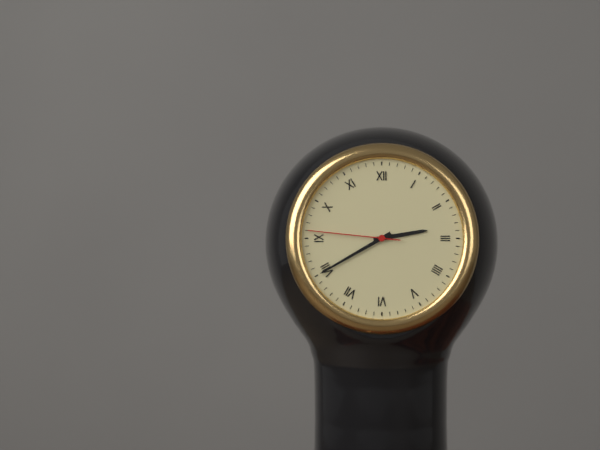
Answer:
2 h 40 min 46 s
